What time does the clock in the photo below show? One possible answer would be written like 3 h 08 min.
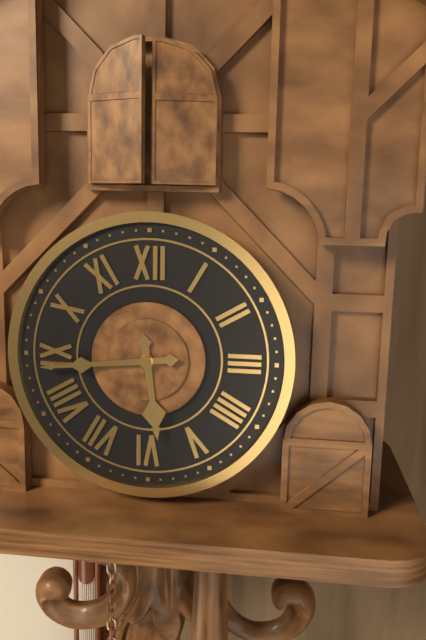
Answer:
5 h 44 min
